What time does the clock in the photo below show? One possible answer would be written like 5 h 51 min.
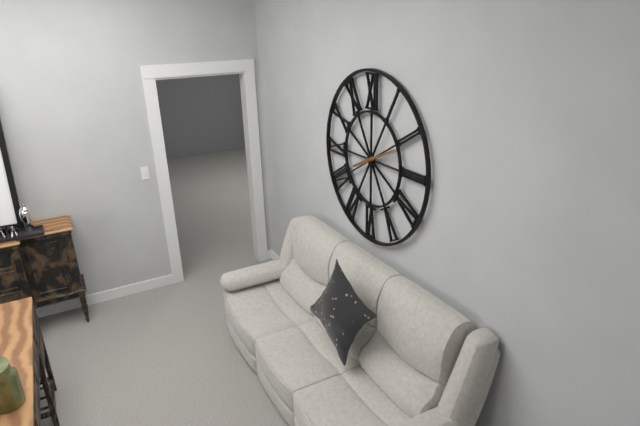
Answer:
8 h 11 min
